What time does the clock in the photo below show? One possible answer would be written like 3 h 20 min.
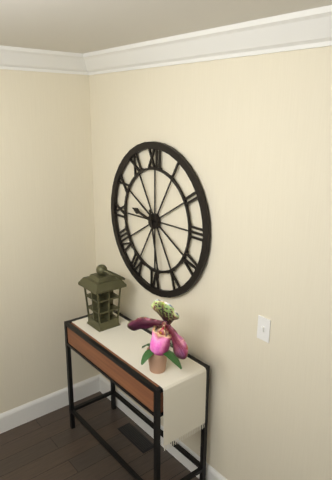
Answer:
9 h 28 min
